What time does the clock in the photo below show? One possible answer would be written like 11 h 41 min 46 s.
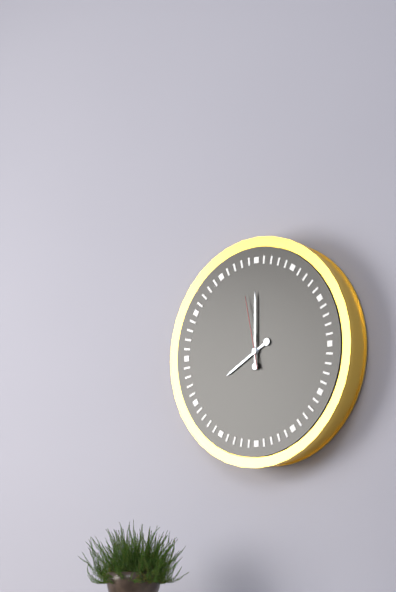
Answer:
8 h 00 min 58 s
